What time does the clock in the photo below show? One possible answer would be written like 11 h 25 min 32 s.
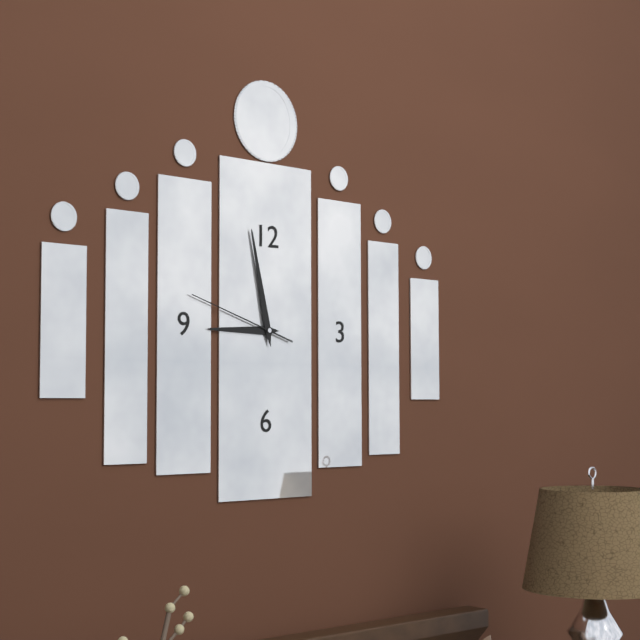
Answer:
8 h 58 min 48 s
